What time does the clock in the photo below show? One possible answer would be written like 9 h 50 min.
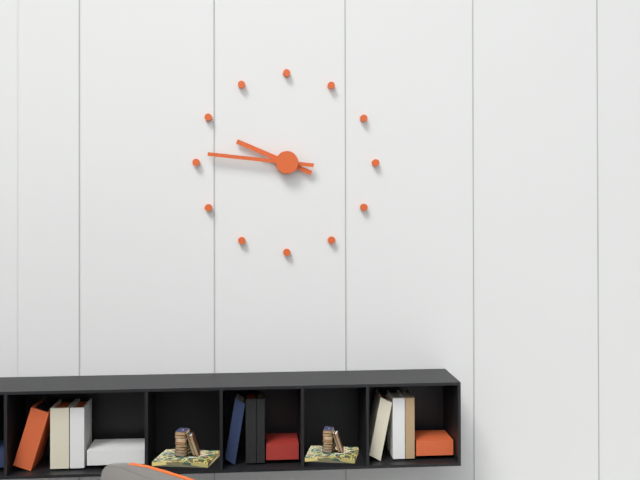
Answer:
9 h 46 min
